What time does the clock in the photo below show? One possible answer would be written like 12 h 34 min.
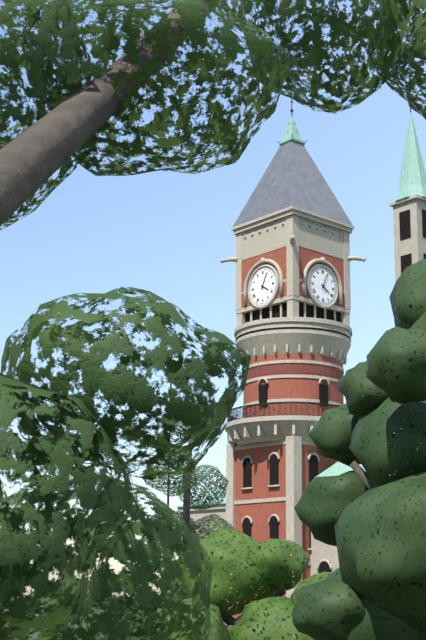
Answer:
4 h 04 min
